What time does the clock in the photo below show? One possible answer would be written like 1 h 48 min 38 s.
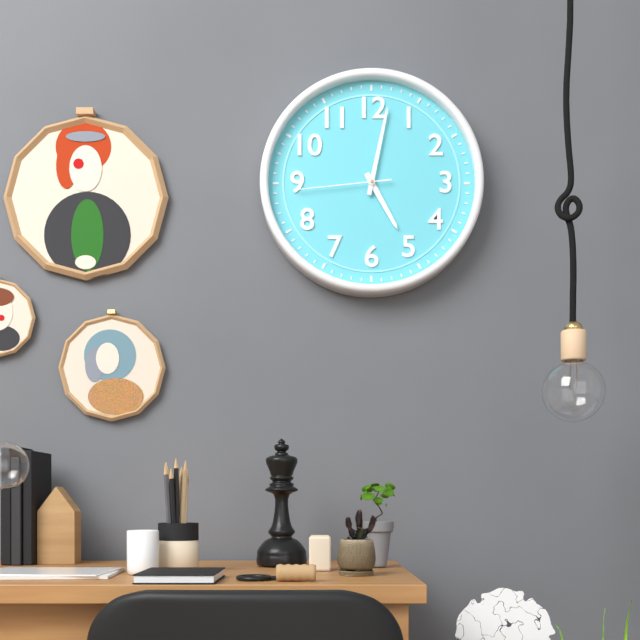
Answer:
5 h 02 min 44 s
